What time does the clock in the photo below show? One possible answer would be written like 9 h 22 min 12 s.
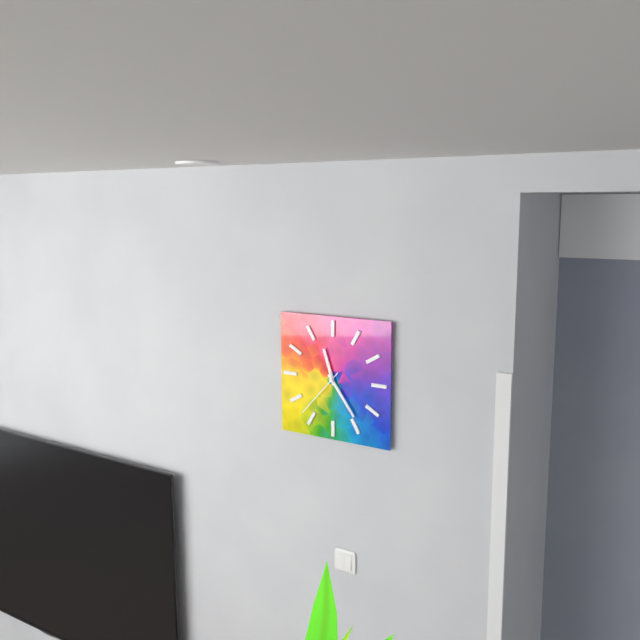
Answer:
11 h 24 min 37 s
